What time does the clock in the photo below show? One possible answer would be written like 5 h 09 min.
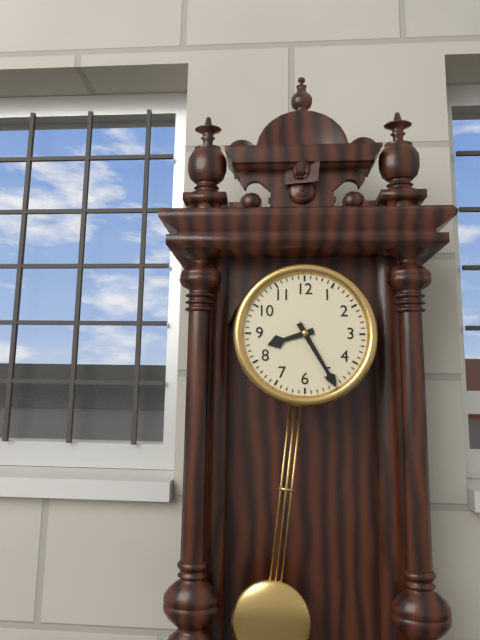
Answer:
8 h 25 min
